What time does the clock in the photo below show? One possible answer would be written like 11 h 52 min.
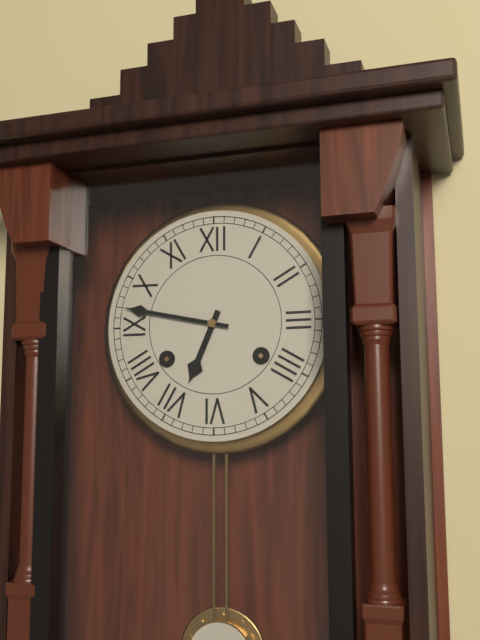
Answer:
6 h 47 min
